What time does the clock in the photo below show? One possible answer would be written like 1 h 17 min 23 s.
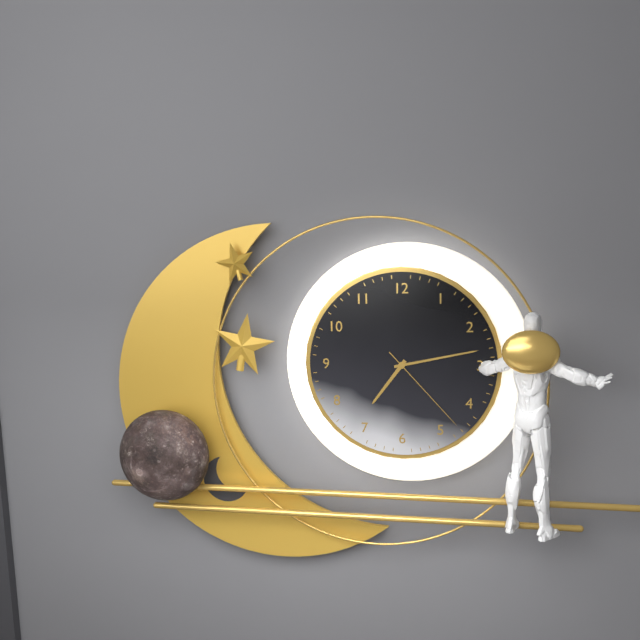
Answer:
7 h 13 min 23 s
